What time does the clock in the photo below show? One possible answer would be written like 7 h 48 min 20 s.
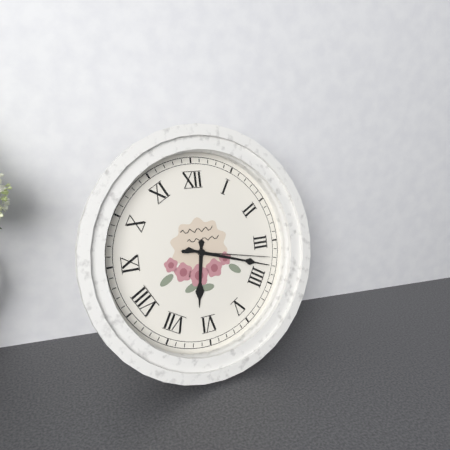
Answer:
6 h 18 min 17 s
